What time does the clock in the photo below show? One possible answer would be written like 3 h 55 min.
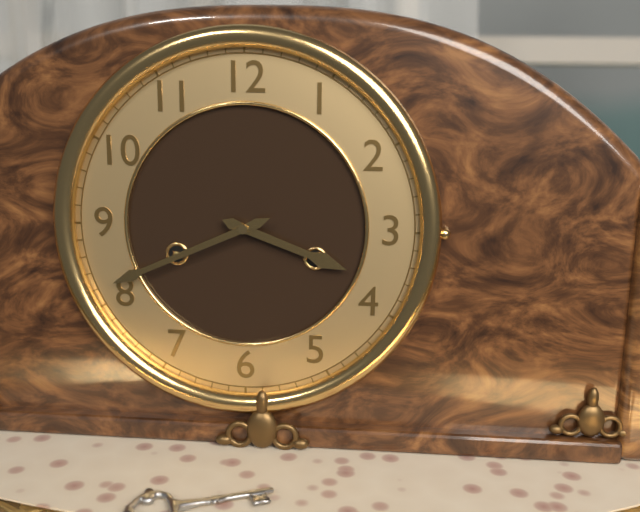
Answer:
3 h 41 min
